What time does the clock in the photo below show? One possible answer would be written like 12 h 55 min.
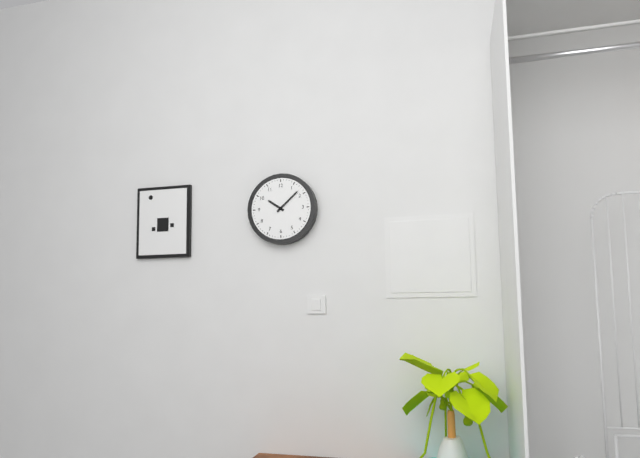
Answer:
10 h 08 min
